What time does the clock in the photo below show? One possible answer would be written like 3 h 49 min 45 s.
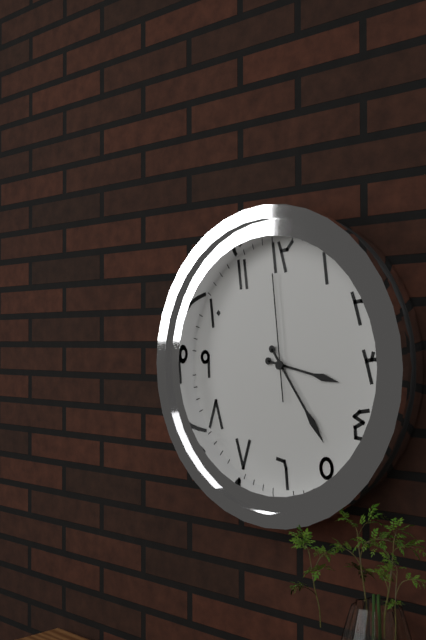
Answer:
3 h 24 min 59 s
